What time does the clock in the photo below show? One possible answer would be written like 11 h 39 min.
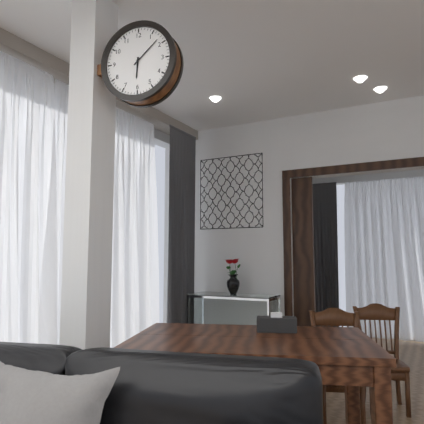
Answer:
6 h 08 min
